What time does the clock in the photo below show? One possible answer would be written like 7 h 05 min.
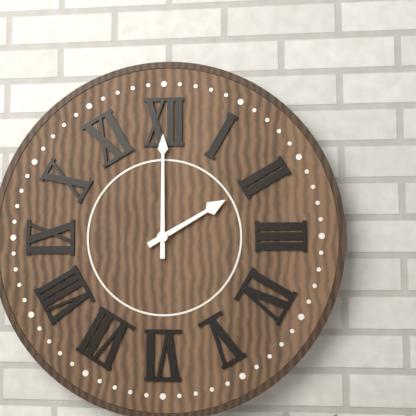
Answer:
2 h 00 min
